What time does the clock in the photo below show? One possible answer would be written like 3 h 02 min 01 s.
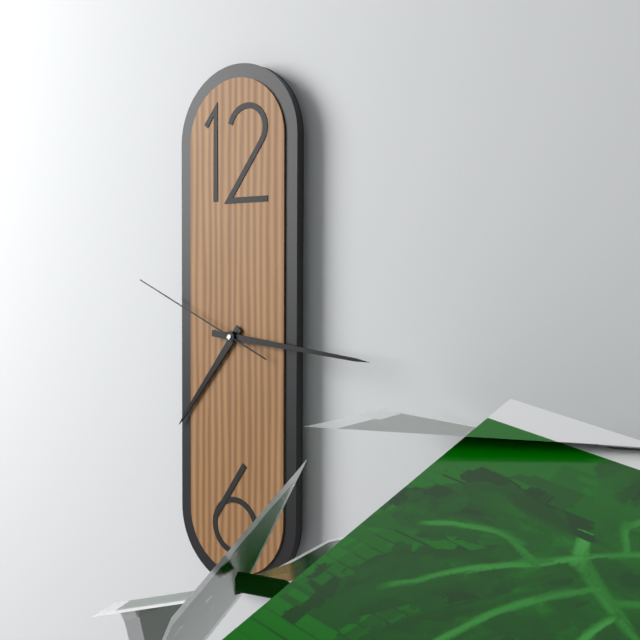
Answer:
7 h 16 min 49 s
